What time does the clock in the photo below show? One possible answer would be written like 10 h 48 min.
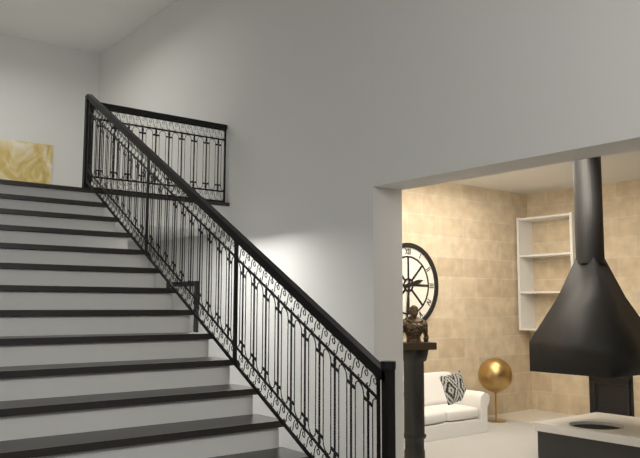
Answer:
2 h 31 min
